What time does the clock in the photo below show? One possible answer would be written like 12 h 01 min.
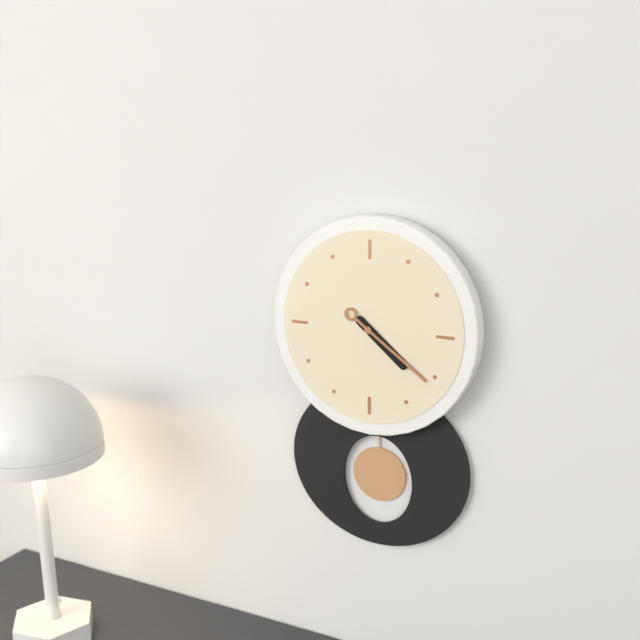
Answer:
4 h 21 min
